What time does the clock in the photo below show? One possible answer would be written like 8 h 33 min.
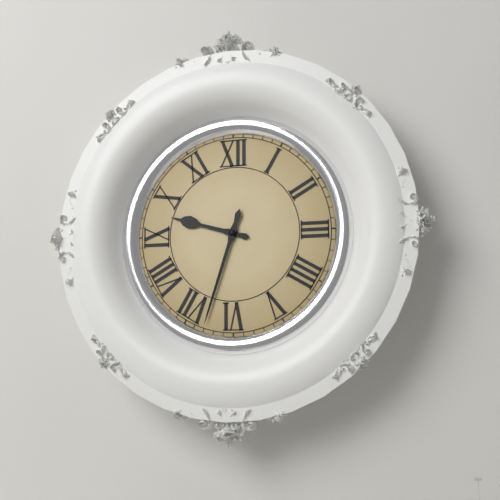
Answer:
9 h 33 min
